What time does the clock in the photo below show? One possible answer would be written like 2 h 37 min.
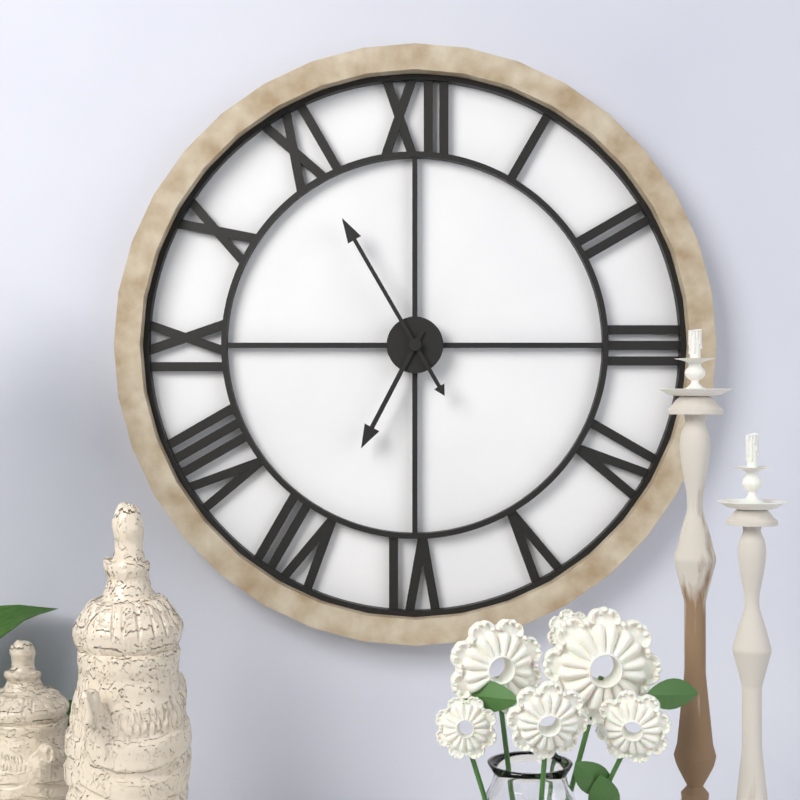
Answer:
6 h 55 min
